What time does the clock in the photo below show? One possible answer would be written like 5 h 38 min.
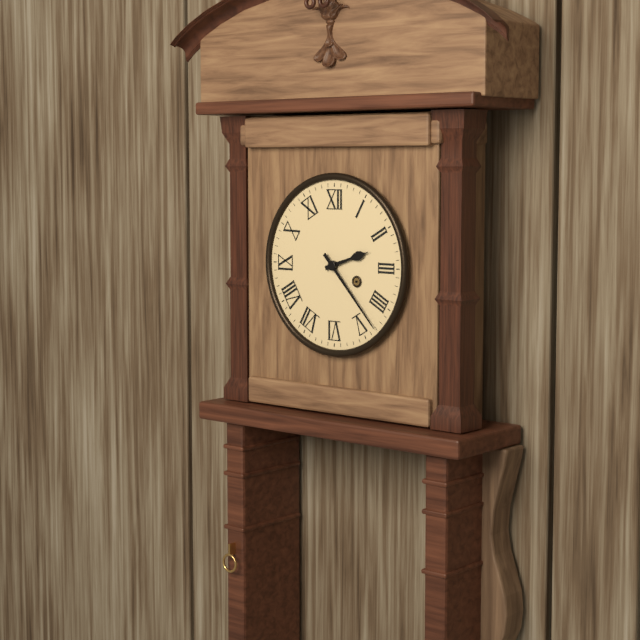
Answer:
2 h 23 min
